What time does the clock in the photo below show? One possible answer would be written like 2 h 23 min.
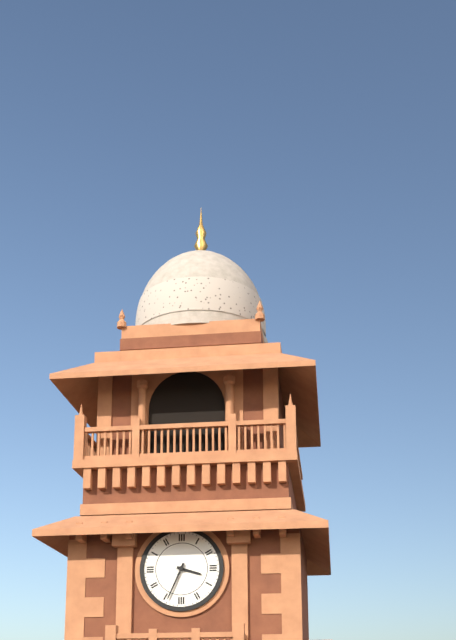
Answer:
3 h 34 min
